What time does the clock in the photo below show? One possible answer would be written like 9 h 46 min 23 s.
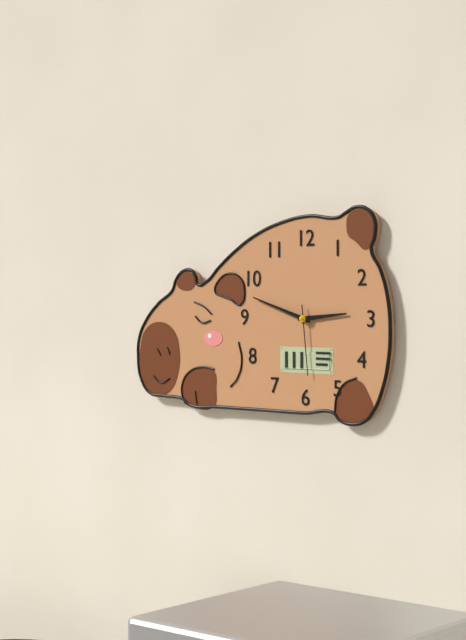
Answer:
2 h 48 min 29 s
